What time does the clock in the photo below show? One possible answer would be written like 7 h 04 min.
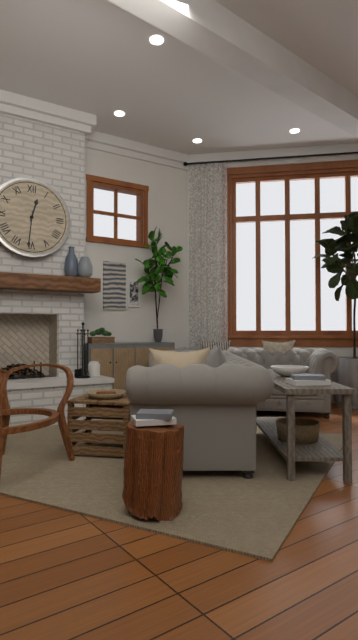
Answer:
12 h 31 min
